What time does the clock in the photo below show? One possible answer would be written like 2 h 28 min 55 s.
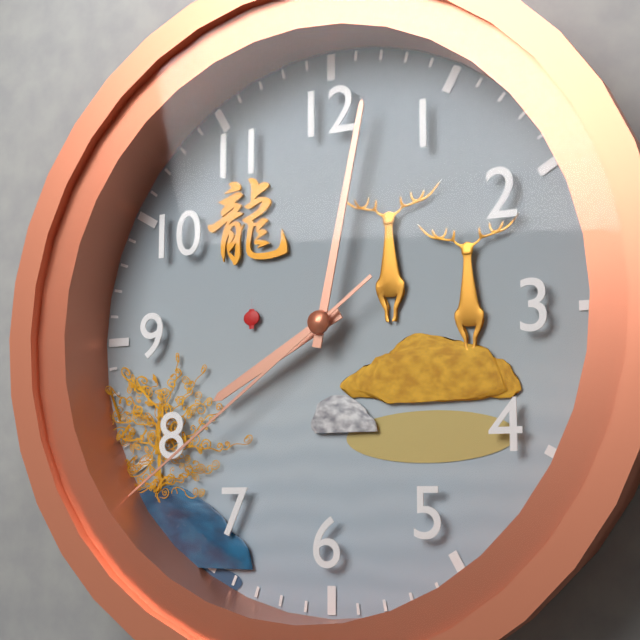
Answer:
8 h 02 min 39 s
